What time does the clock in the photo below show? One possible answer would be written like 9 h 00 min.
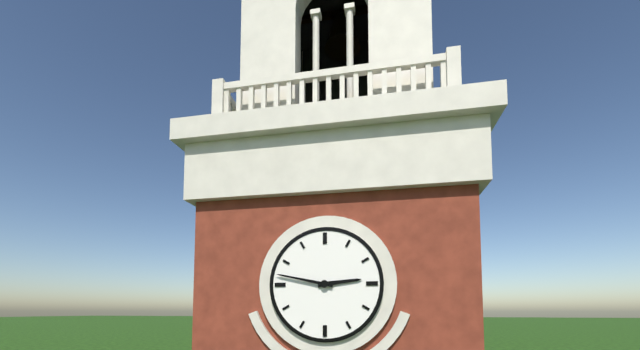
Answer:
2 h 47 min
